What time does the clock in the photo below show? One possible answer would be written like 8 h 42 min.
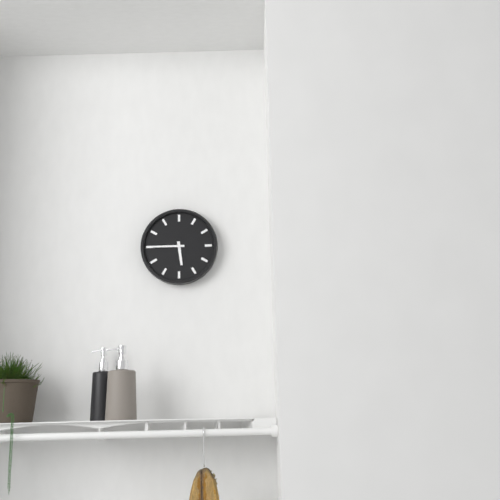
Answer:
5 h 45 min
